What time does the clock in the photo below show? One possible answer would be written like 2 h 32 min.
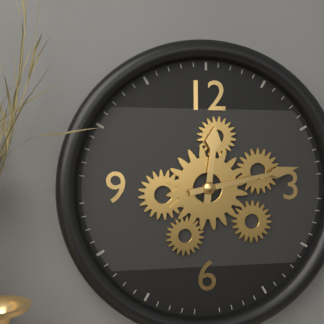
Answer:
12 h 13 min
